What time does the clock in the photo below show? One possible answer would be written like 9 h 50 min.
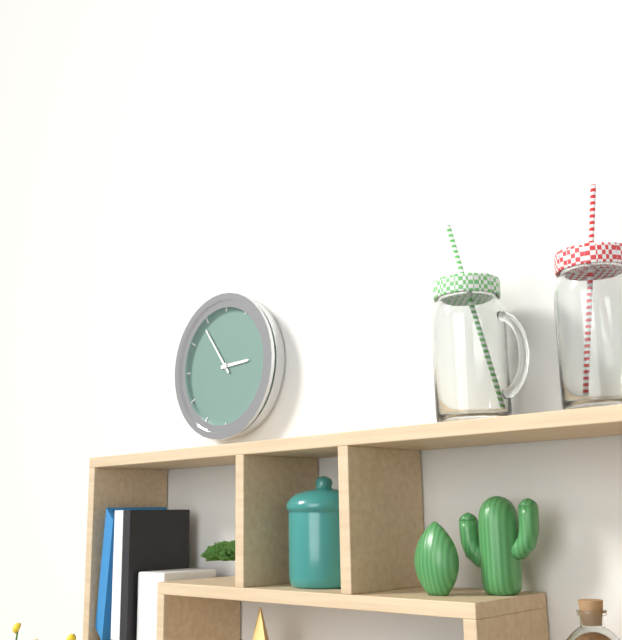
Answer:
2 h 54 min
